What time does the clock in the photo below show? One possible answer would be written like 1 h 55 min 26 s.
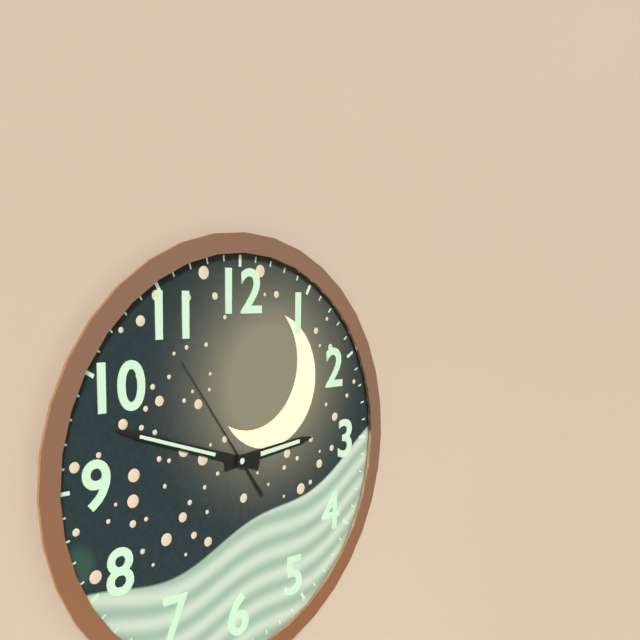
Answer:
2 h 48 min 54 s
